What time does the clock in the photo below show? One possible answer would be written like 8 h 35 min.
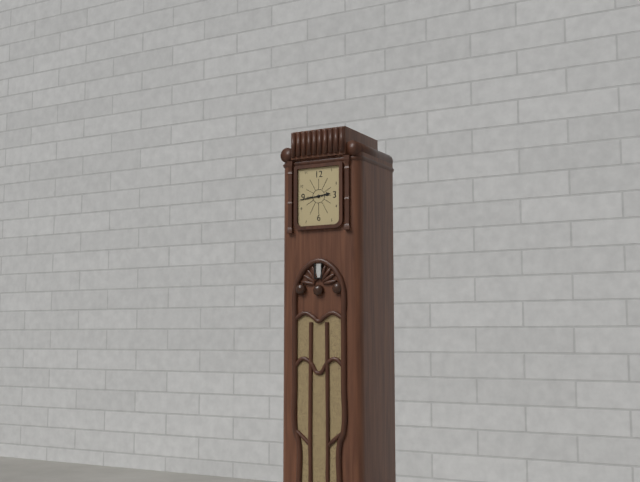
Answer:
2 h 44 min
